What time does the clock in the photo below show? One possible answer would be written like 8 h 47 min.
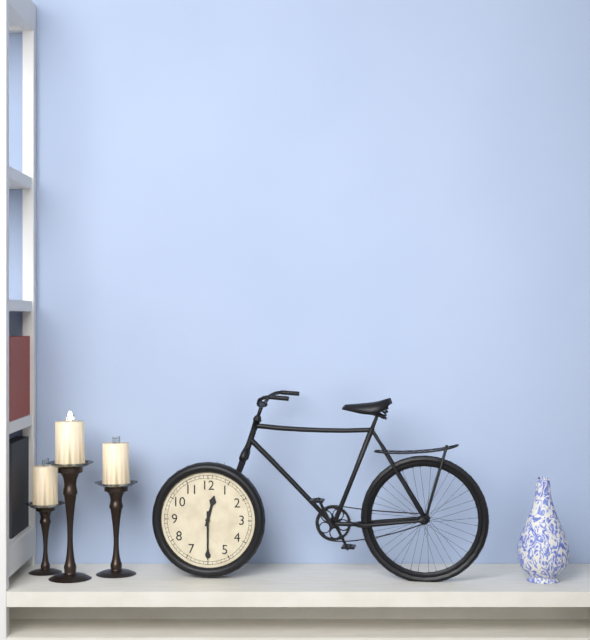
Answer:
12 h 30 min
